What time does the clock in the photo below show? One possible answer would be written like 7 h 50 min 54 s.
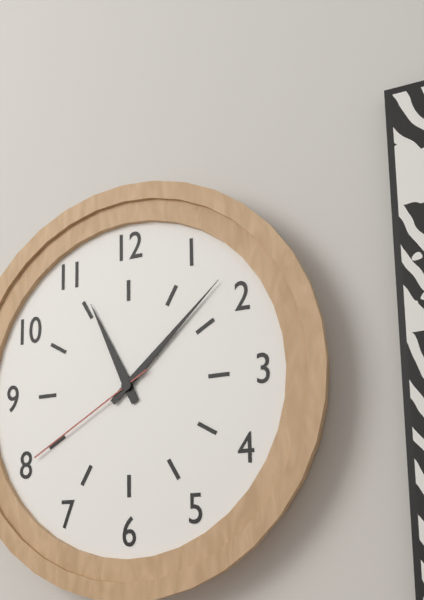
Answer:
11 h 08 min 40 s
